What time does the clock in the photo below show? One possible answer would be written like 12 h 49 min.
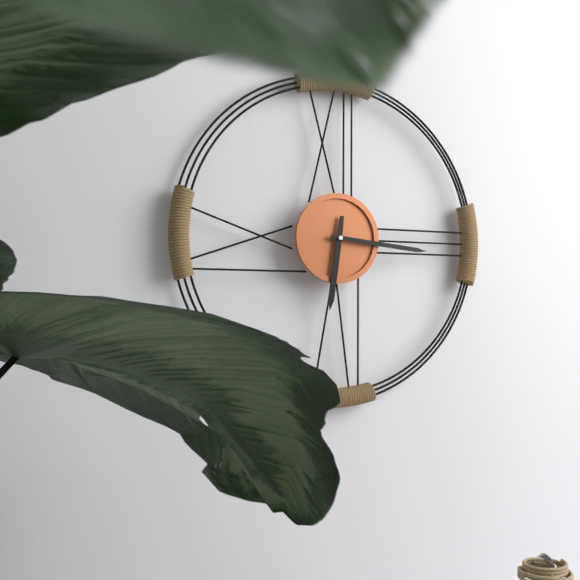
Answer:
6 h 16 min
